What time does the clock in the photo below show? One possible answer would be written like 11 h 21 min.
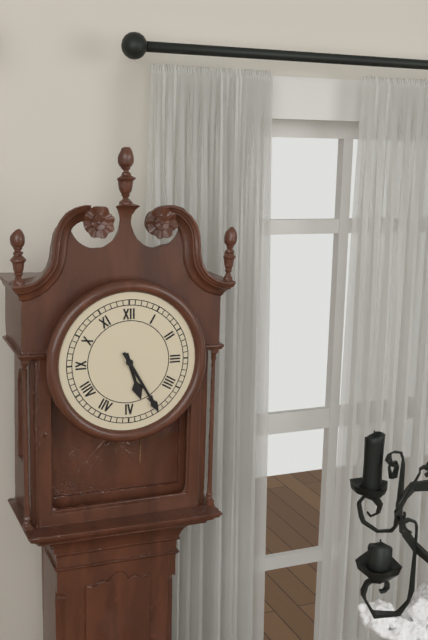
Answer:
5 h 25 min
